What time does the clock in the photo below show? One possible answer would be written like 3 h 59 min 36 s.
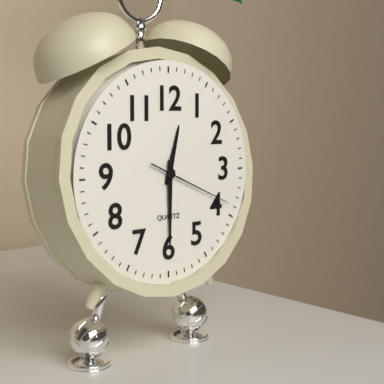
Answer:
12 h 30 min 19 s
